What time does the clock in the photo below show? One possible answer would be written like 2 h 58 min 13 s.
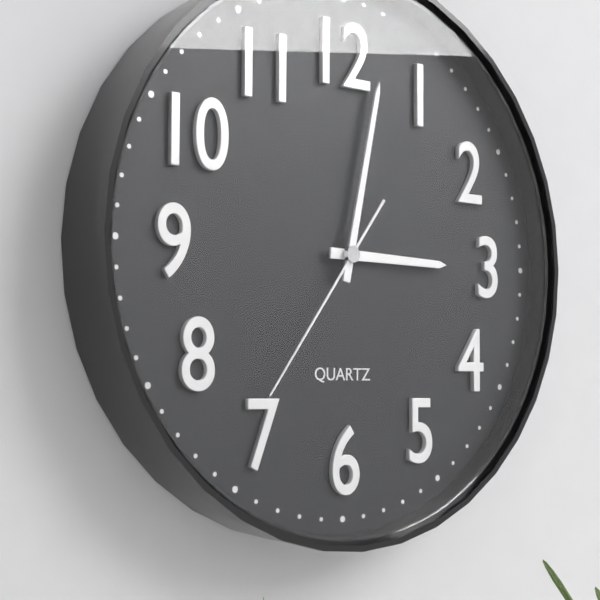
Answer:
3 h 02 min 36 s
